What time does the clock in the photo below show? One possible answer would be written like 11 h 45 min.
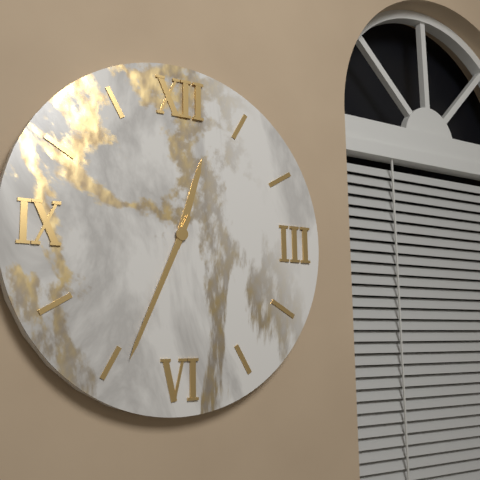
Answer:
12 h 34 min
